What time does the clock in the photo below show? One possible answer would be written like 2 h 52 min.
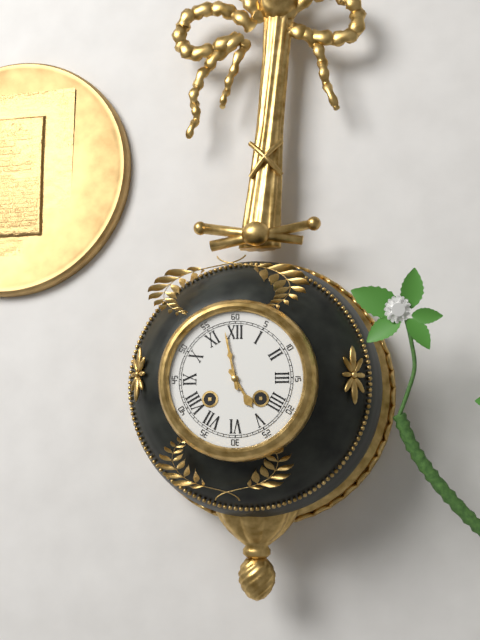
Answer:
4 h 58 min
